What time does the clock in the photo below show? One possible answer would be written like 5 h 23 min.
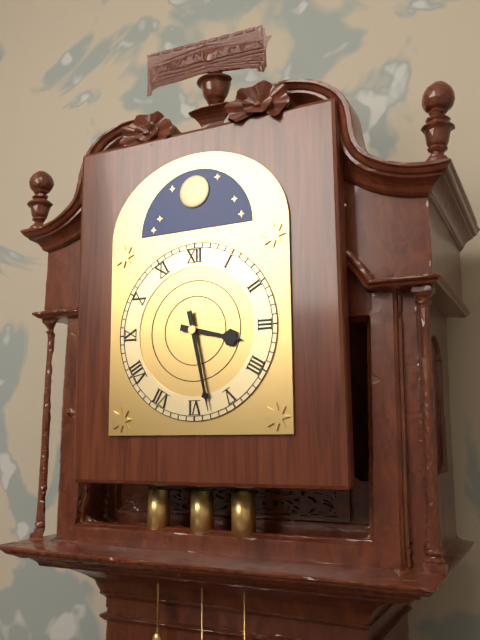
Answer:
3 h 28 min
